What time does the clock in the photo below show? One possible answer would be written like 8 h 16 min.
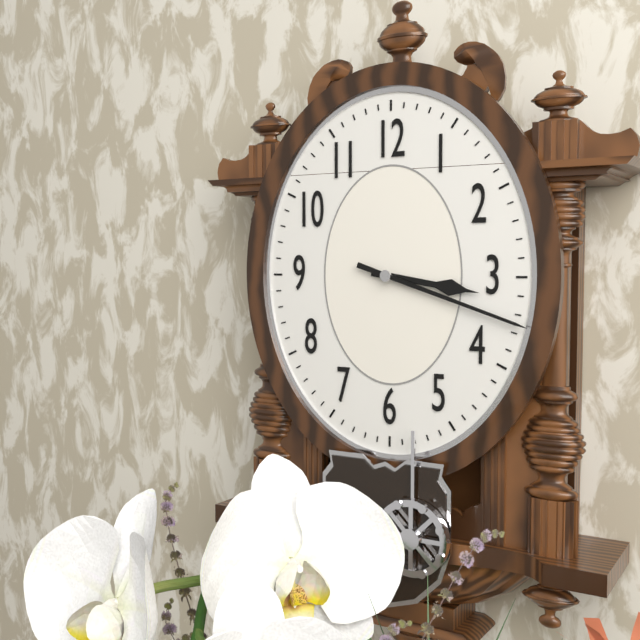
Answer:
3 h 18 min
